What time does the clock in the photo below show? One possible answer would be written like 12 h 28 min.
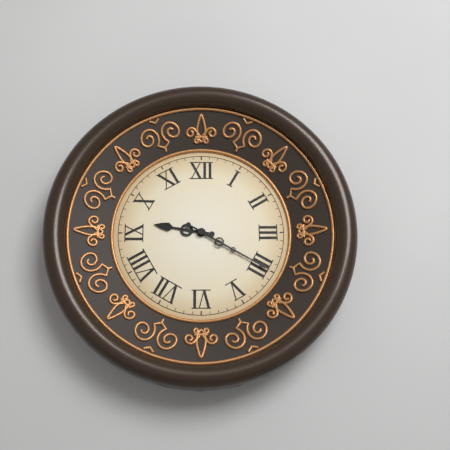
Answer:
9 h 20 min
